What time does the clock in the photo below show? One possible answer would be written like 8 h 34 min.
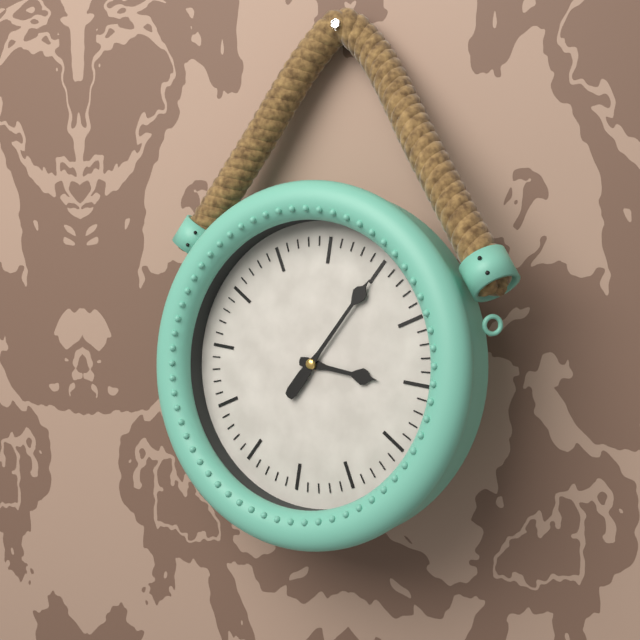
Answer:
3 h 05 min
